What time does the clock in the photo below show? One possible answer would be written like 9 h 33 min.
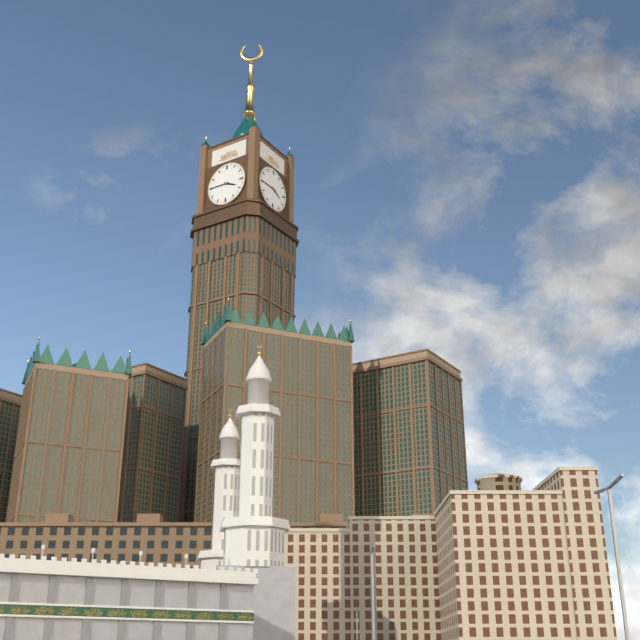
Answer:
3 h 45 min
